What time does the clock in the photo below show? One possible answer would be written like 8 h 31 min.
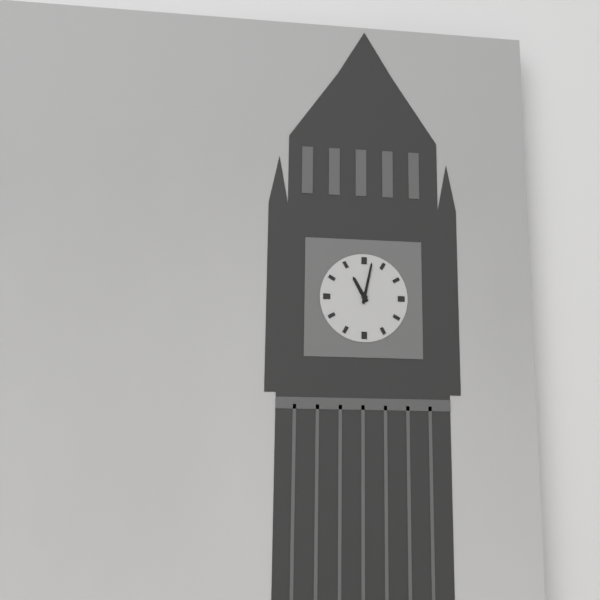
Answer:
11 h 02 min
